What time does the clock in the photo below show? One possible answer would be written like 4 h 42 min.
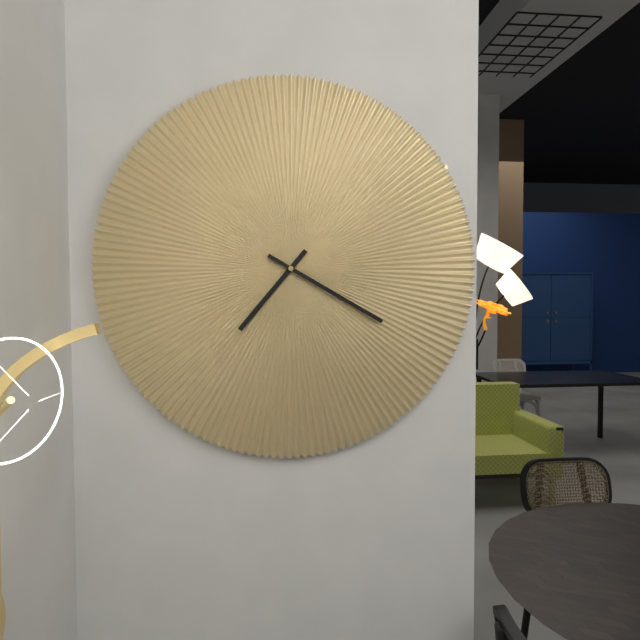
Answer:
7 h 20 min
